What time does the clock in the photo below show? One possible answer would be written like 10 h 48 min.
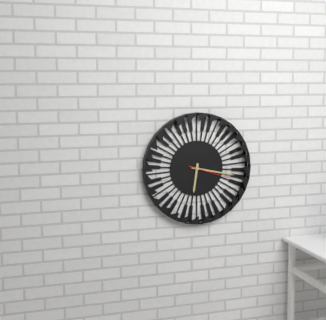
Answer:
6 h 17 min
